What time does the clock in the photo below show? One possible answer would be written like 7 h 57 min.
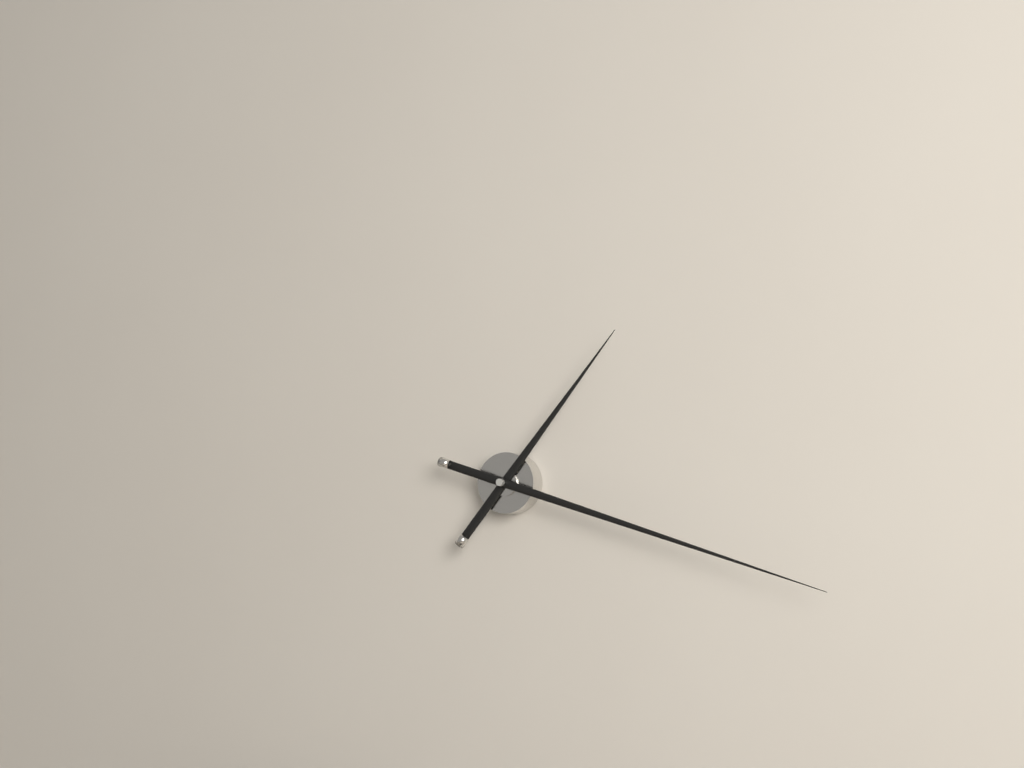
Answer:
1 h 18 min
